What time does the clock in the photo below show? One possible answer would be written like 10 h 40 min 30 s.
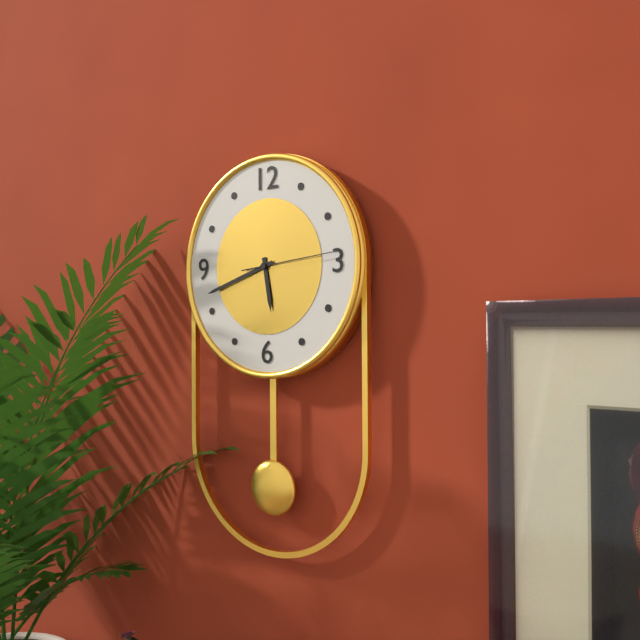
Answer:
5 h 42 min 14 s
